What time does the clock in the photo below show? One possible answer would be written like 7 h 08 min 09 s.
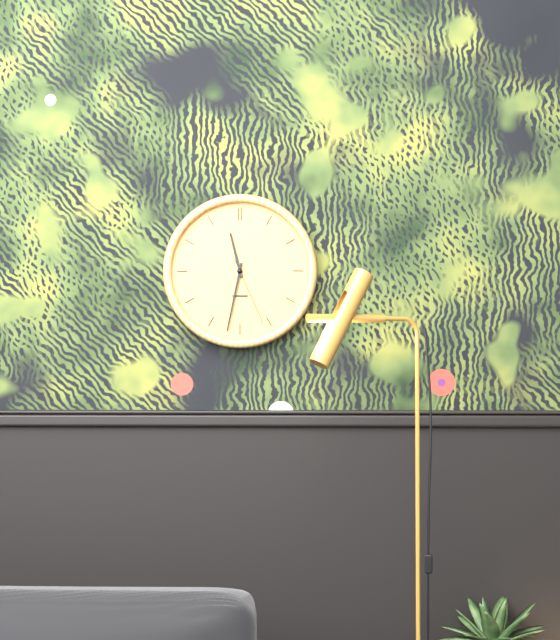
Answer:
11 h 32 min 26 s
